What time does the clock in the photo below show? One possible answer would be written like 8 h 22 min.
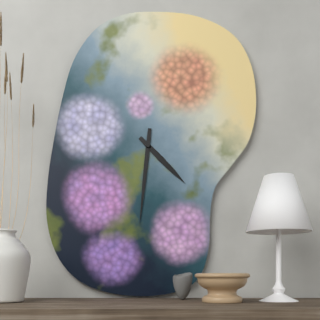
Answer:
4 h 31 min
